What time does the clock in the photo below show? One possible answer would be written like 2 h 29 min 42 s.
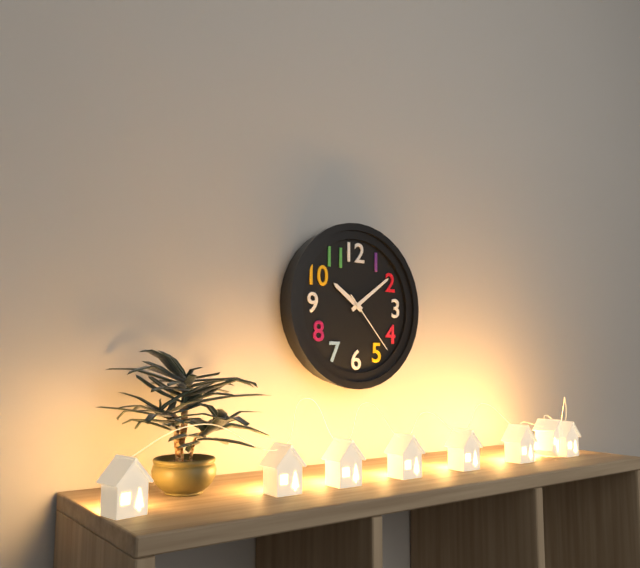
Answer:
10 h 09 min 23 s
